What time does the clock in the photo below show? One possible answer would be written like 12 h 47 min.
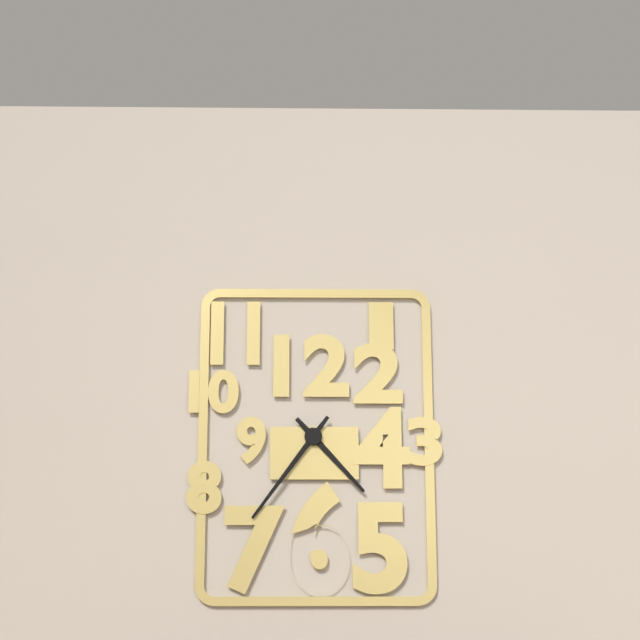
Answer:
4 h 36 min
